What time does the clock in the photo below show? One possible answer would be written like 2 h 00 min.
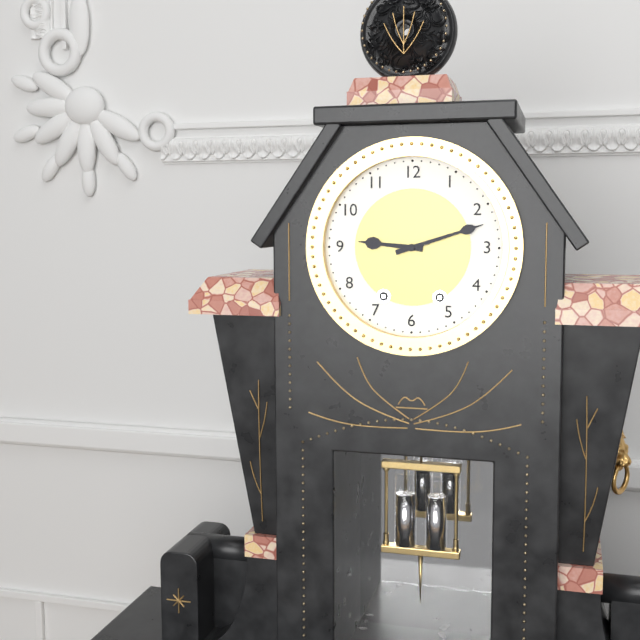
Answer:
9 h 12 min
